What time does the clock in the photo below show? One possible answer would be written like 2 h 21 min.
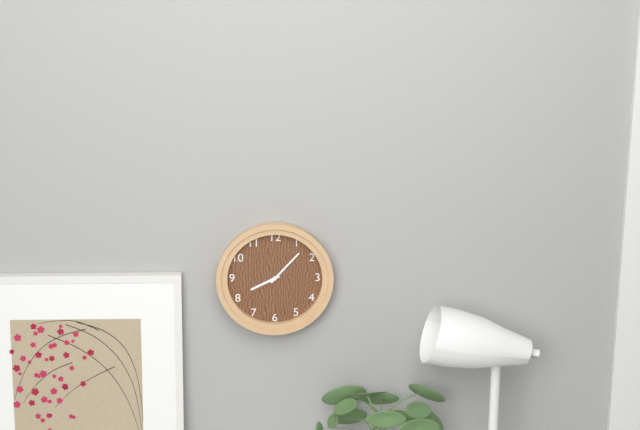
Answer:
8 h 07 min
